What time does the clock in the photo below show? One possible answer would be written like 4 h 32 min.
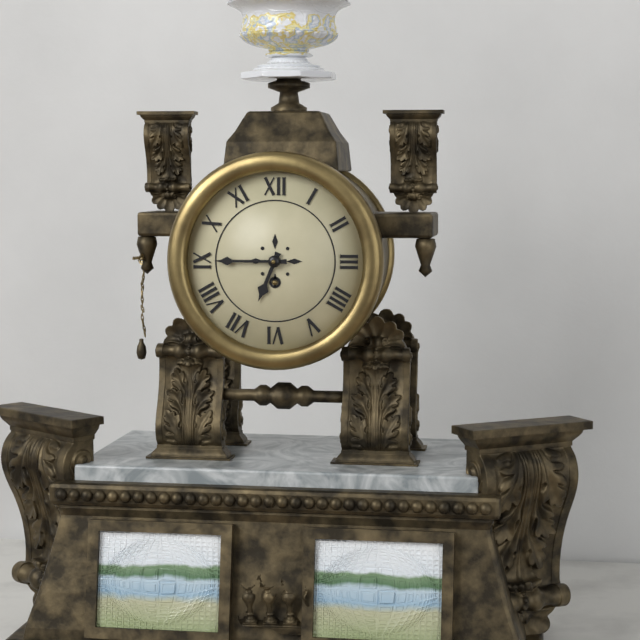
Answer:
6 h 45 min
